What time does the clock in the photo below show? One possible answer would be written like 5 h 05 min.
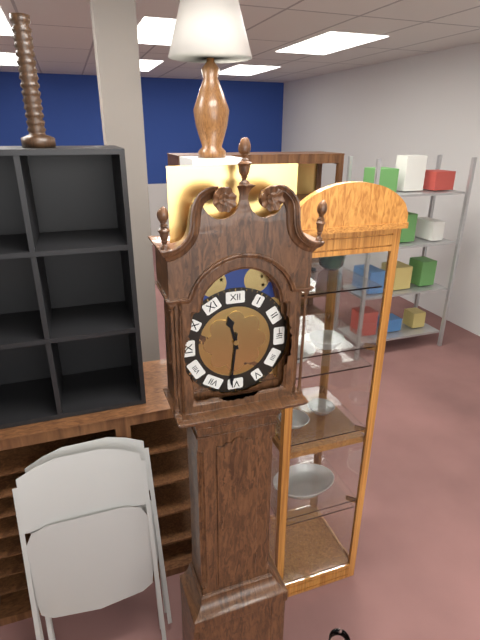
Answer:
11 h 31 min
